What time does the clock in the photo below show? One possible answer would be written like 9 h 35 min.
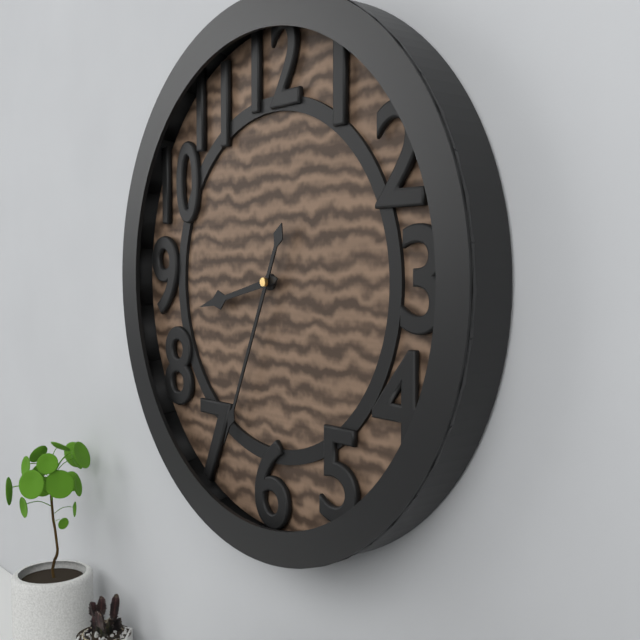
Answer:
8 h 34 min
